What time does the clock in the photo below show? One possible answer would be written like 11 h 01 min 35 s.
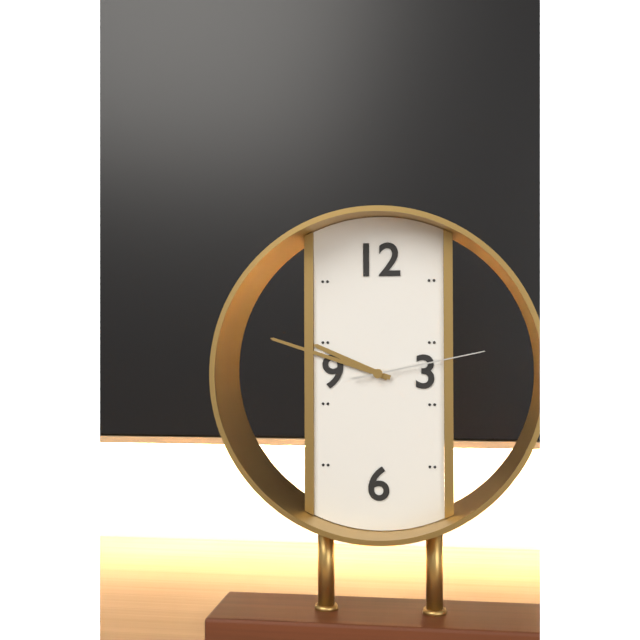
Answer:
9 h 48 min 13 s
